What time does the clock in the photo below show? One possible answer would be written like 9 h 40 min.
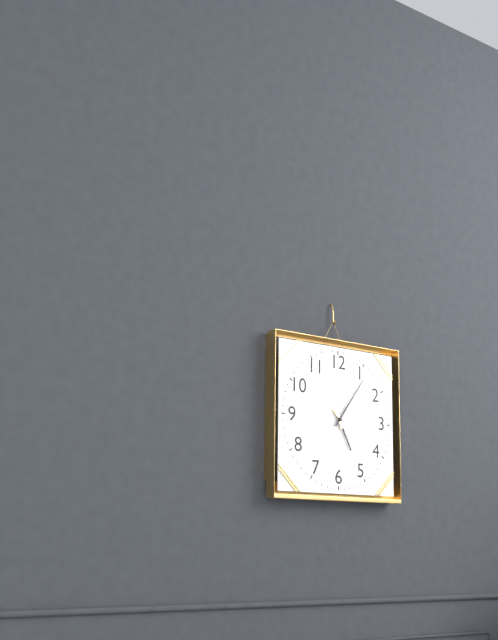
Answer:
5 h 06 min
